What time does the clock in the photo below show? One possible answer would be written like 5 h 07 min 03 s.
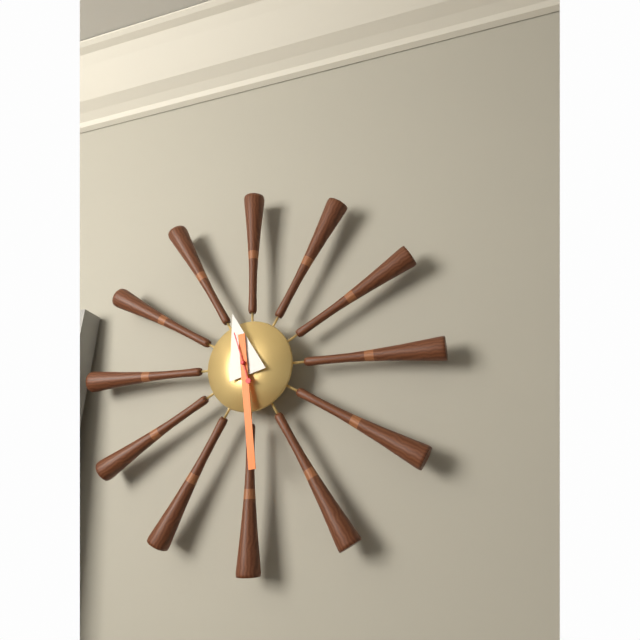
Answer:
11 h 29 min 57 s
